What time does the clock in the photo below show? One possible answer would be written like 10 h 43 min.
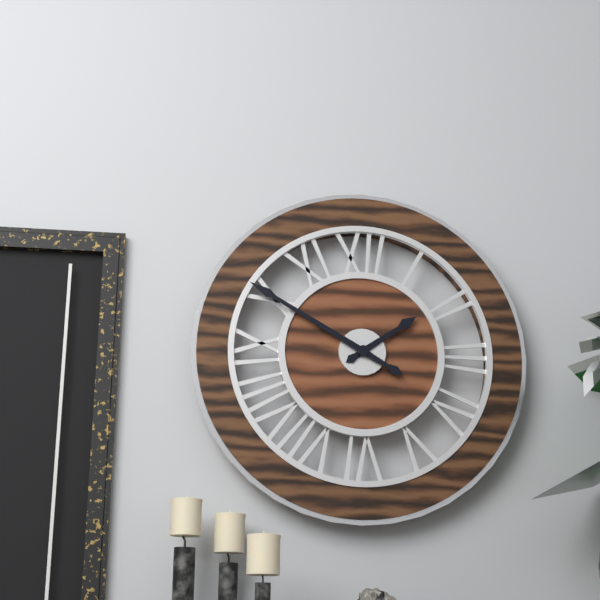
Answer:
1 h 50 min
